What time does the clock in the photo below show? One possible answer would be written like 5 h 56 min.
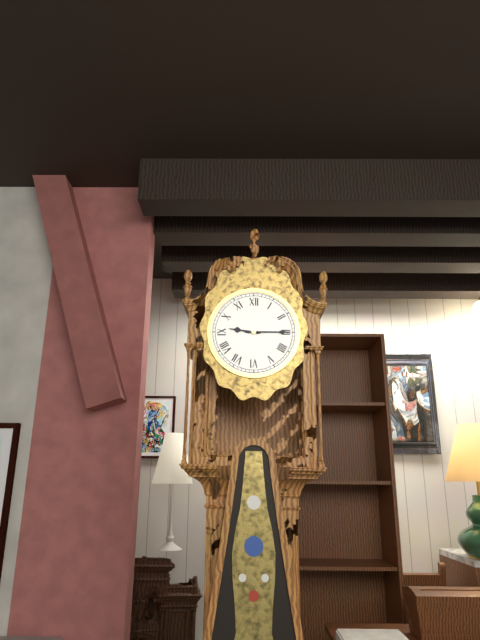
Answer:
9 h 15 min
